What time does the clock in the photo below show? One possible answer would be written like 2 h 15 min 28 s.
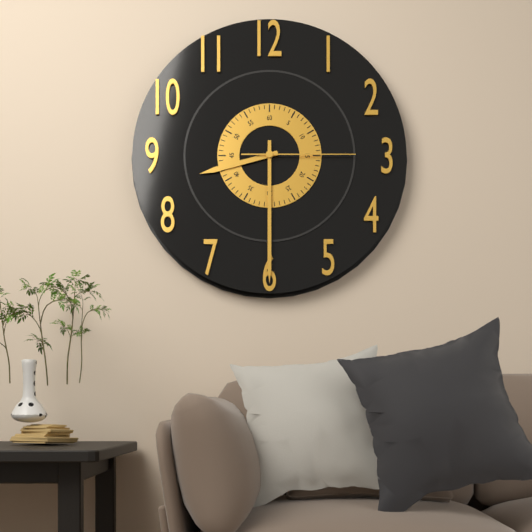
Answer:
8 h 30 min 15 s
